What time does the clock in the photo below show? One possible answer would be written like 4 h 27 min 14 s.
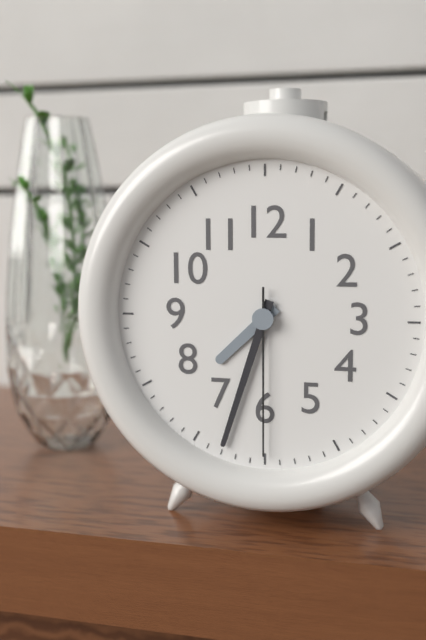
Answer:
7 h 33 min 30 s
